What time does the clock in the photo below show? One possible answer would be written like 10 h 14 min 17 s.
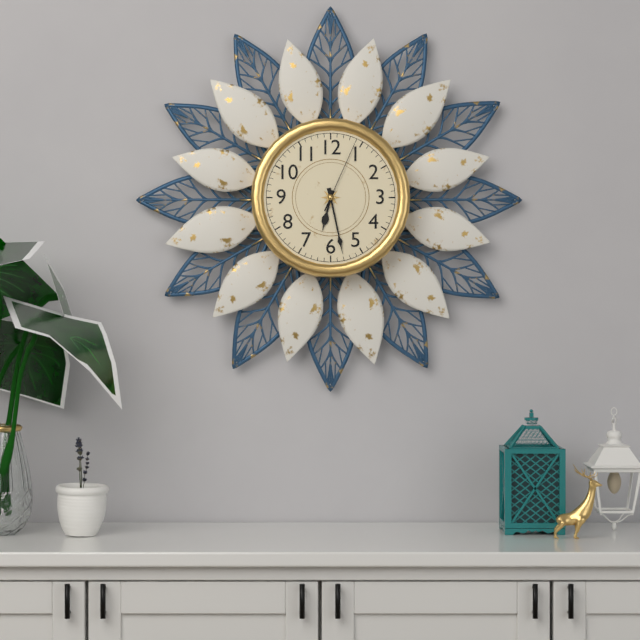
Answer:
6 h 28 min 04 s
